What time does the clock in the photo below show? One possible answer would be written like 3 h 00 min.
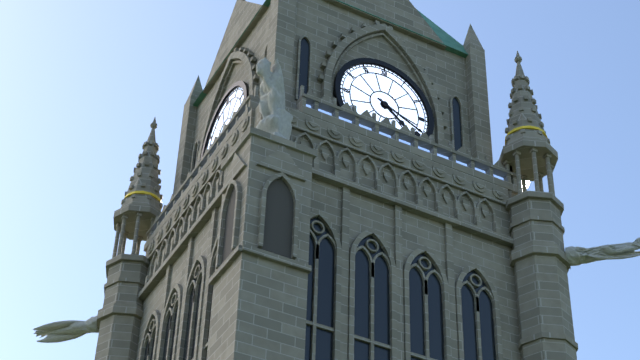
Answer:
4 h 19 min
